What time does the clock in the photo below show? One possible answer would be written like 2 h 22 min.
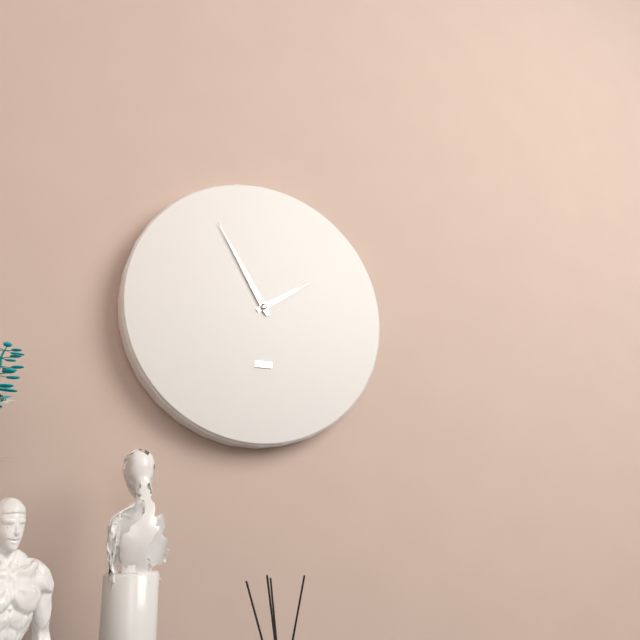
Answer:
1 h 55 min
